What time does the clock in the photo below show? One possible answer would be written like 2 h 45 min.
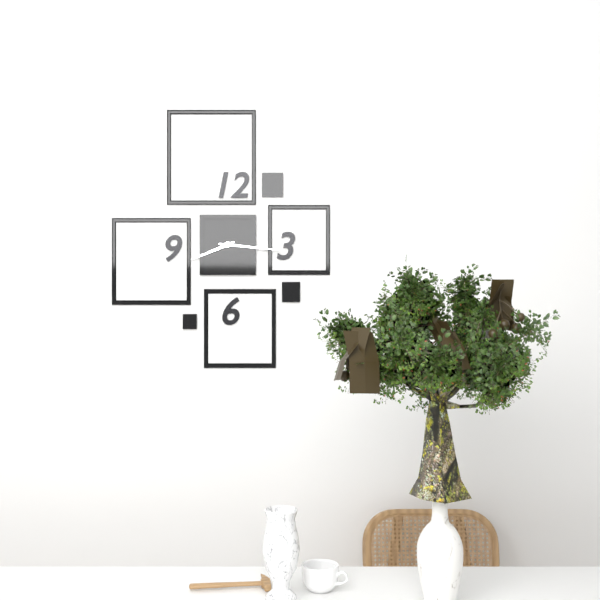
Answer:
8 h 16 min
